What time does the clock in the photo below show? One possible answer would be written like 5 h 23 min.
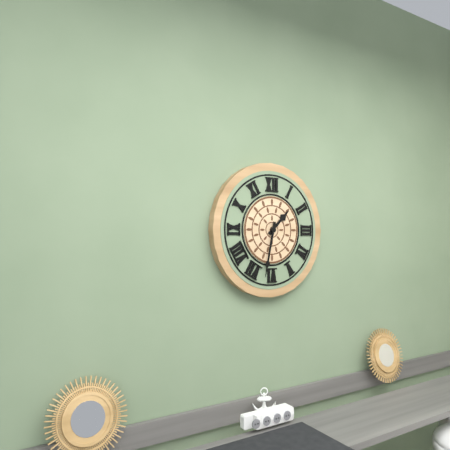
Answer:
1 h 32 min
